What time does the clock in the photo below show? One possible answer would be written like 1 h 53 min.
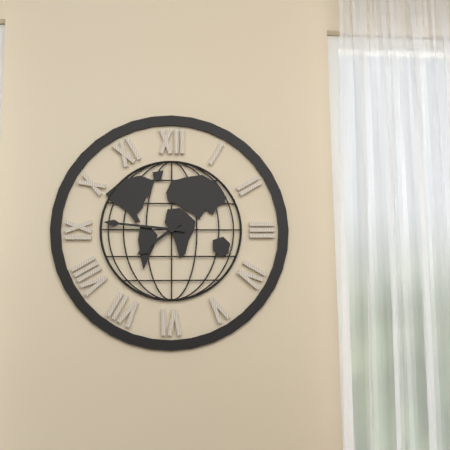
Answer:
7 h 46 min
